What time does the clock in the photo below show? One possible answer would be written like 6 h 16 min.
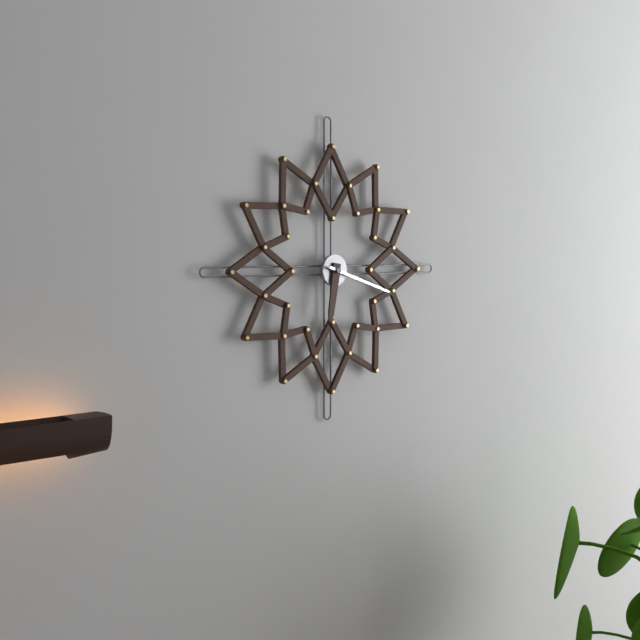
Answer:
6 h 18 min
